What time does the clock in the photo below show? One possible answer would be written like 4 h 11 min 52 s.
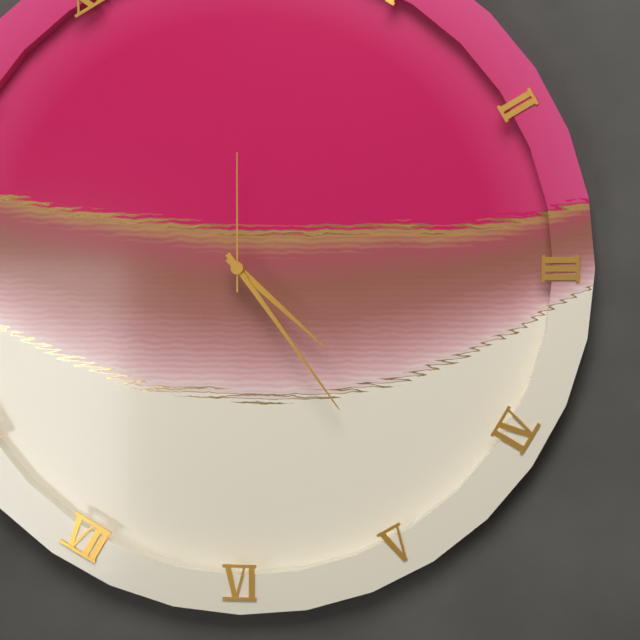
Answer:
4 h 24 min 00 s
